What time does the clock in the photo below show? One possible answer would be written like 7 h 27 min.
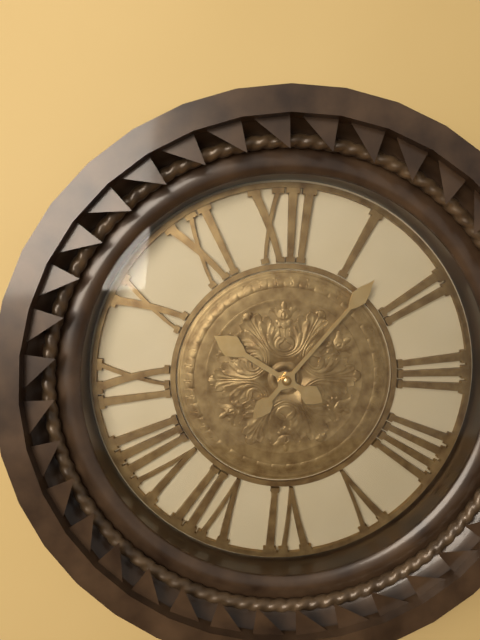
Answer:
10 h 07 min
